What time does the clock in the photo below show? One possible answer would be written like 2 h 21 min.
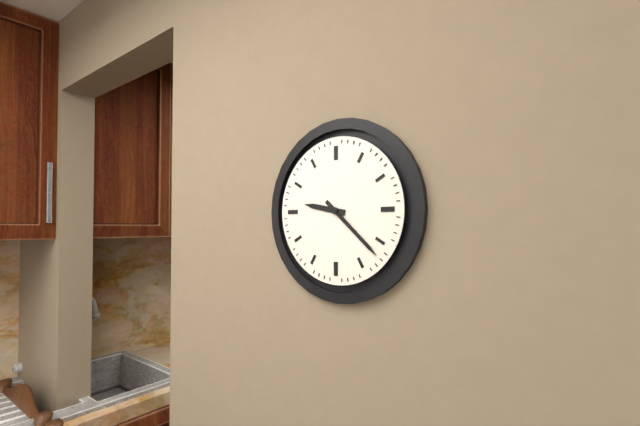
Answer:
9 h 22 min
